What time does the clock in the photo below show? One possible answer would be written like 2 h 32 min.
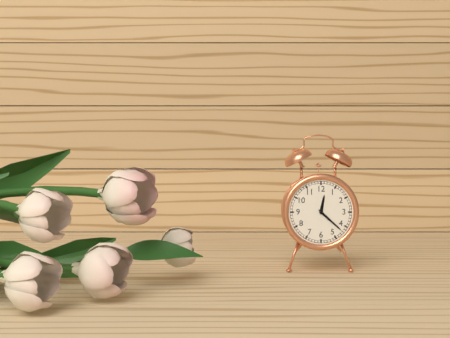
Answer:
12 h 22 min
